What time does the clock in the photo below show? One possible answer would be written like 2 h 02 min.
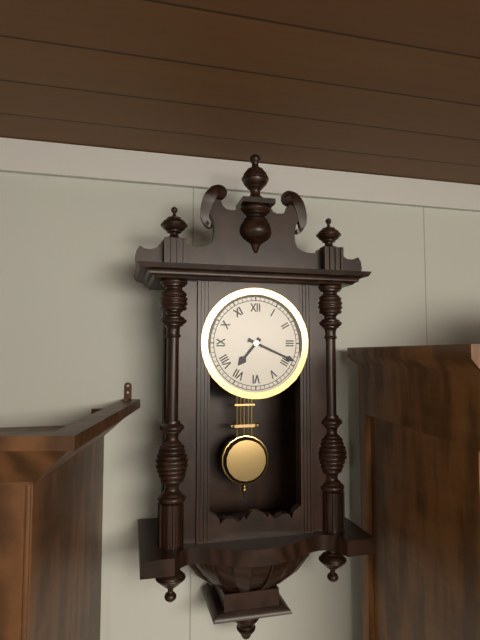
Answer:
7 h 19 min
